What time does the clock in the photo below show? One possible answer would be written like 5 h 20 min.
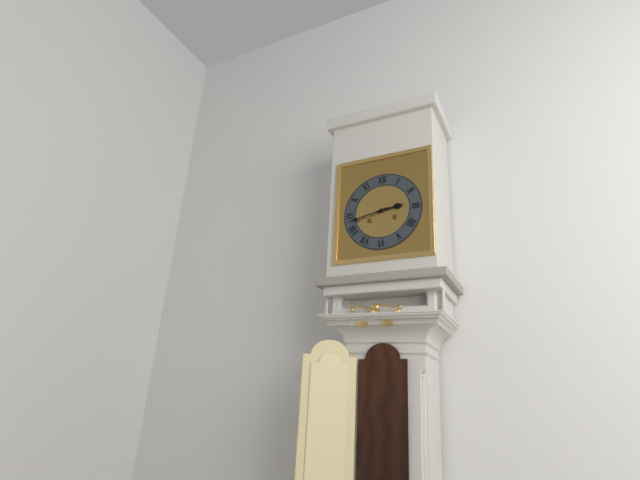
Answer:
2 h 43 min
